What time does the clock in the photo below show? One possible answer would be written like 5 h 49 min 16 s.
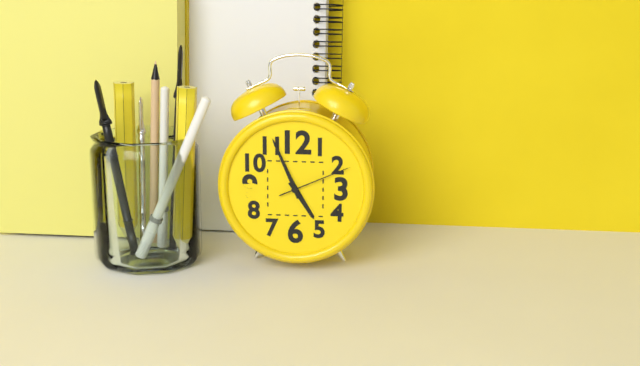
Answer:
4 h 56 min 11 s
